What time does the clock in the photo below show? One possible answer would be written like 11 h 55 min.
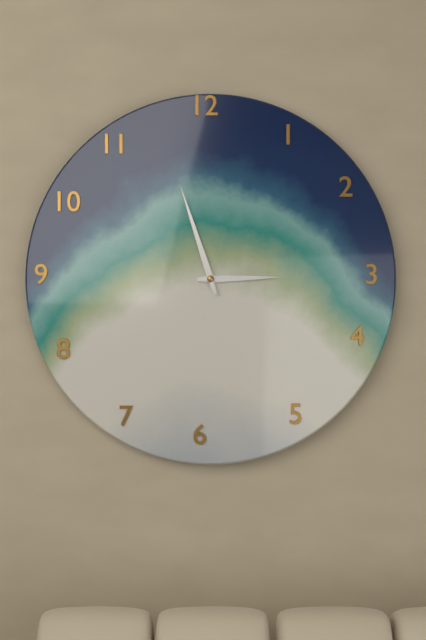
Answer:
2 h 57 min
